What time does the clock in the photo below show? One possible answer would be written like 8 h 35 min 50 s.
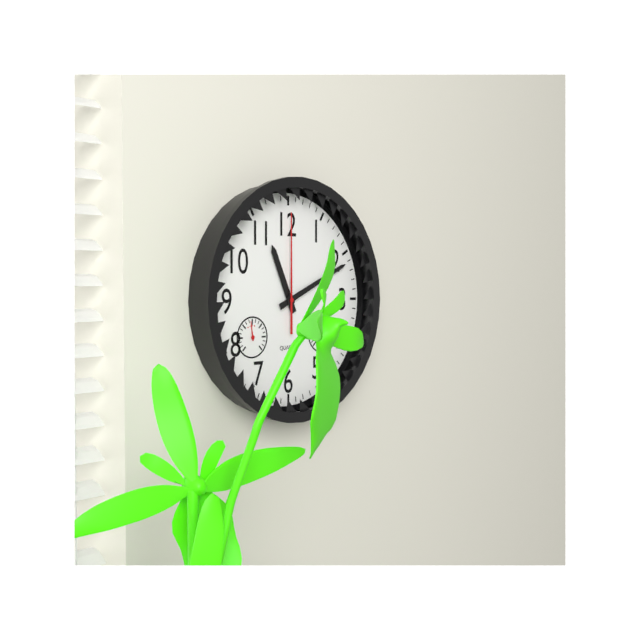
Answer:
11 h 11 min 00 s
